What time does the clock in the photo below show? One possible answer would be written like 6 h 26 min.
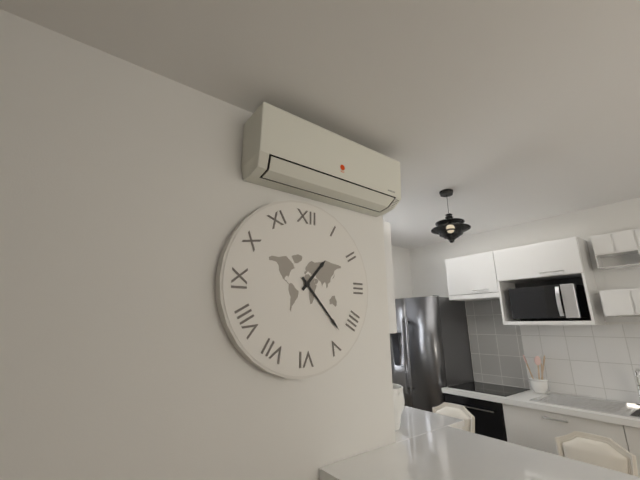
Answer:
1 h 23 min
